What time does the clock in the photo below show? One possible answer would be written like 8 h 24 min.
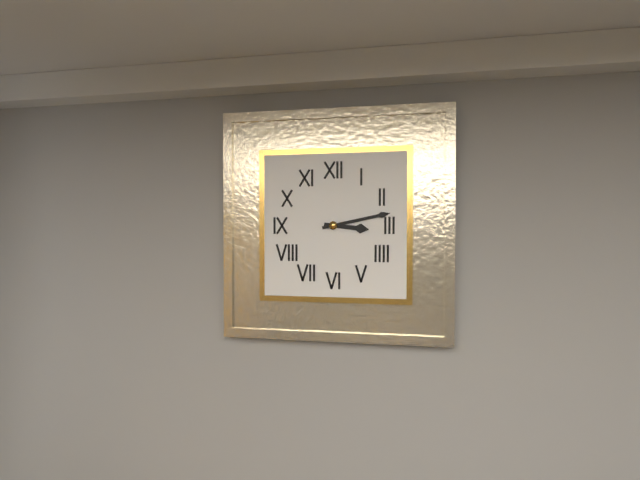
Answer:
3 h 13 min
